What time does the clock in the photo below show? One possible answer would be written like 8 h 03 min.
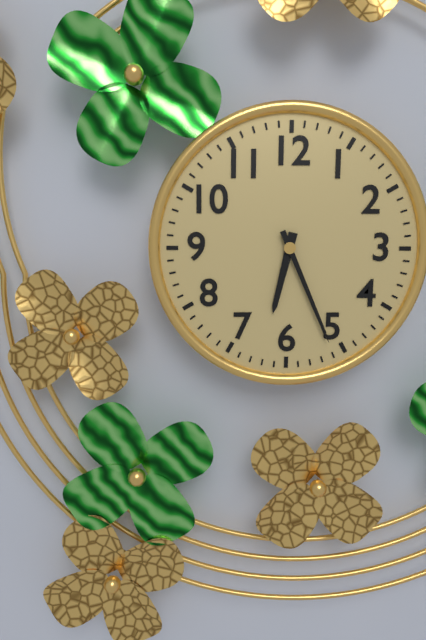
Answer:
6 h 26 min
